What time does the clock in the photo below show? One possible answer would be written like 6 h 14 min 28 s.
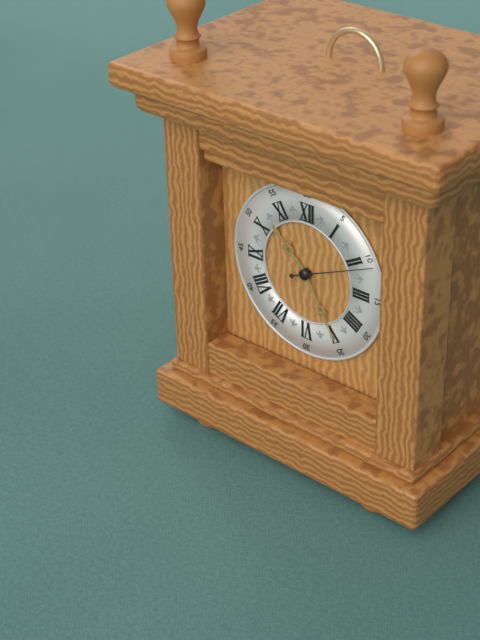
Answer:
10 h 25 min 11 s
